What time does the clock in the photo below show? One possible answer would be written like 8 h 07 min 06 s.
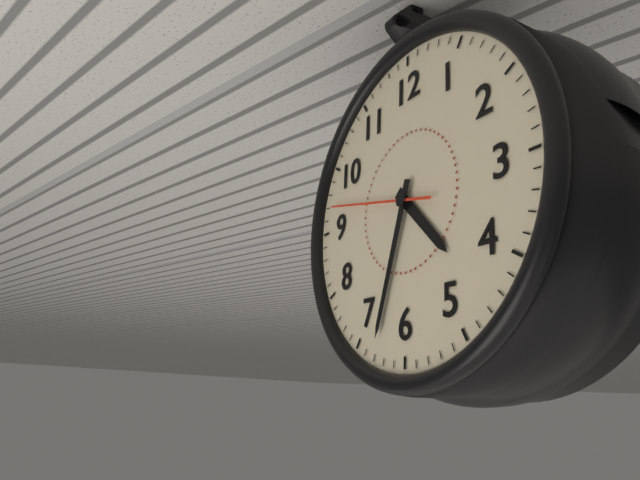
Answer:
4 h 33 min 47 s
